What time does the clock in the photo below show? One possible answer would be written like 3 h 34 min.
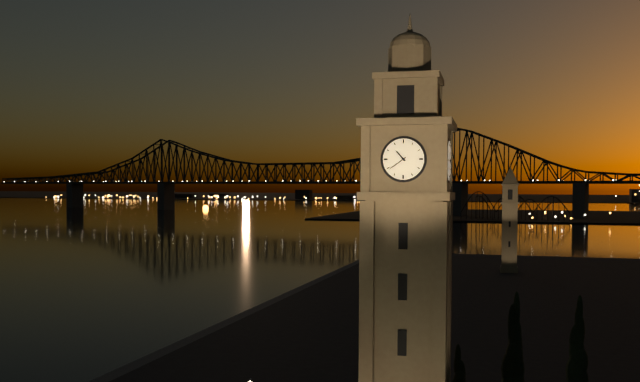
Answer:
10 h 39 min
